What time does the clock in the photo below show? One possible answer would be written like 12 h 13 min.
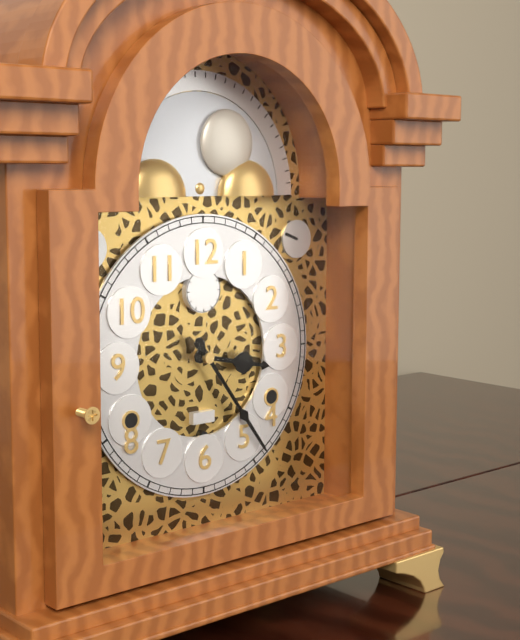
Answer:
3 h 24 min
